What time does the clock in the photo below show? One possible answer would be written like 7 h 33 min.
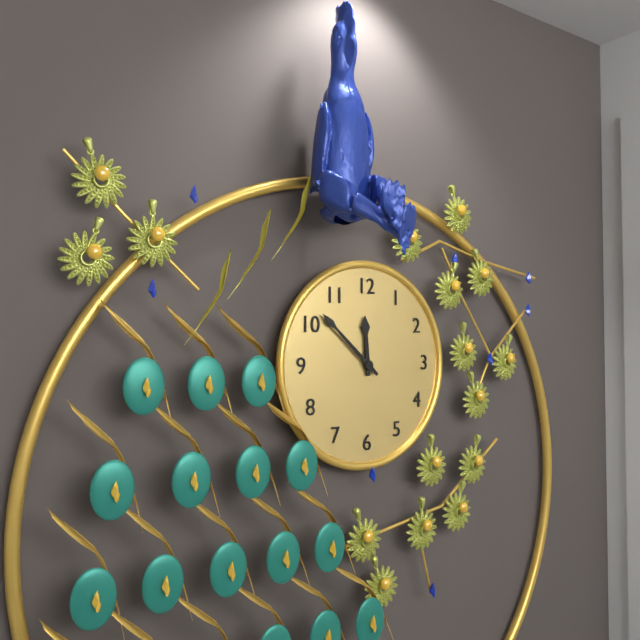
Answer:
11 h 52 min
